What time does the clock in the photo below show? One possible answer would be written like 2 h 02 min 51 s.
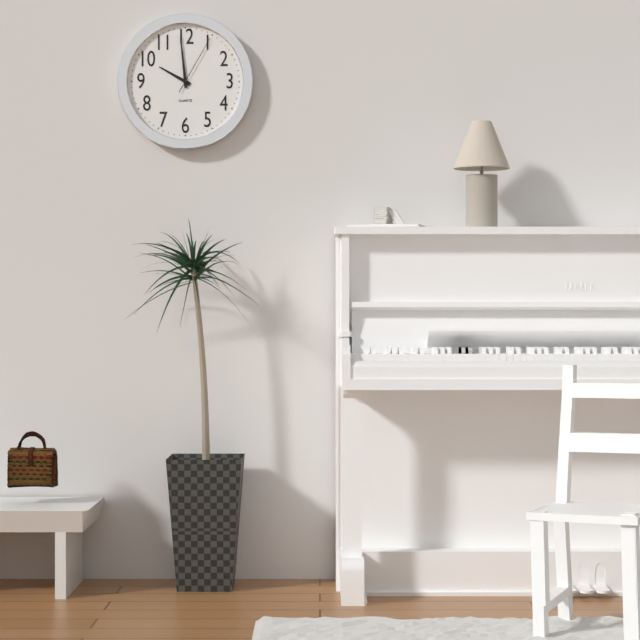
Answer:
9 h 59 min 05 s
